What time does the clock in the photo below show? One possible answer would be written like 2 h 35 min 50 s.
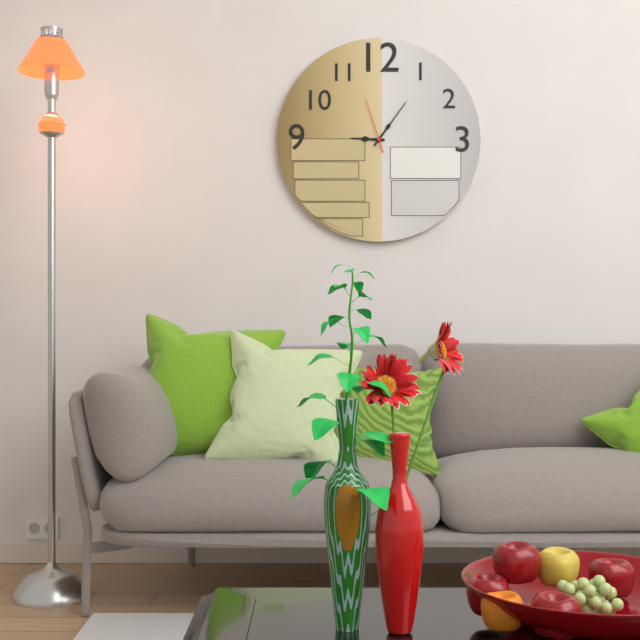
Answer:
9 h 06 min 57 s
